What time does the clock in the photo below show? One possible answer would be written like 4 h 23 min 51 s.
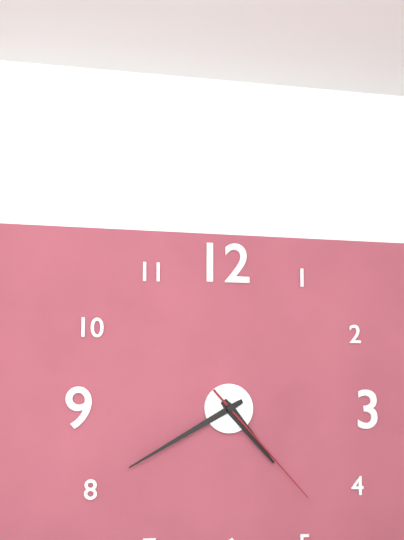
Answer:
4 h 40 min 23 s
